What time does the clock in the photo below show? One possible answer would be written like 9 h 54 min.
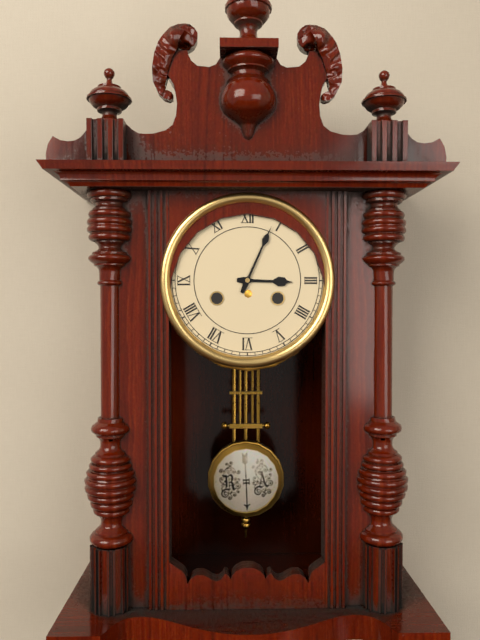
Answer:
3 h 04 min
